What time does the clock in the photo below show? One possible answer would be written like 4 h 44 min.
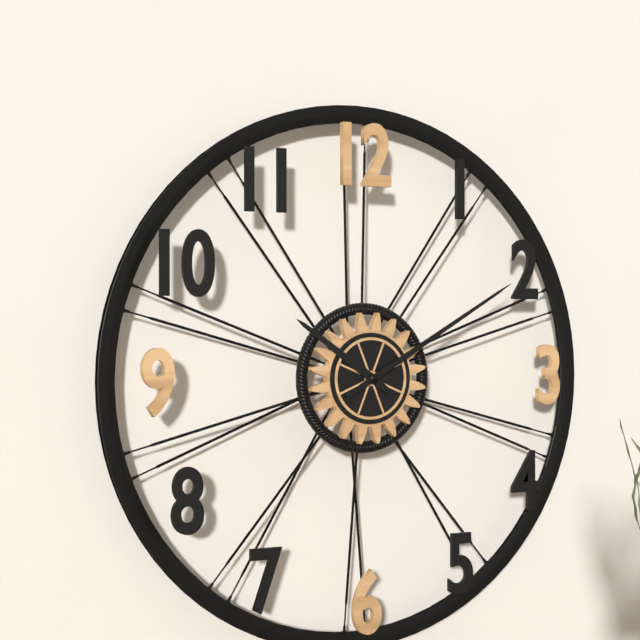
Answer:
10 h 10 min
